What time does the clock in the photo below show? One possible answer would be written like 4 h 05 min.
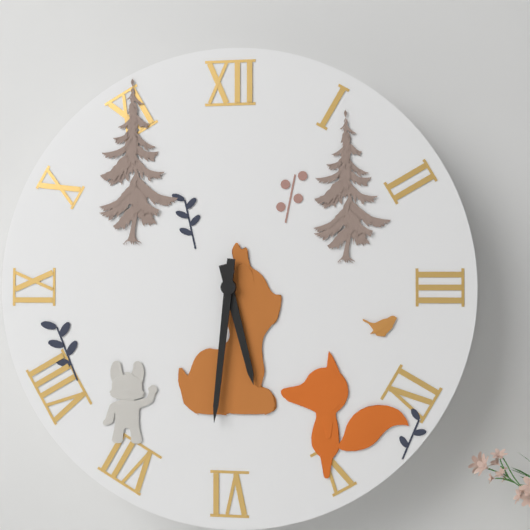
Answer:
5 h 31 min
